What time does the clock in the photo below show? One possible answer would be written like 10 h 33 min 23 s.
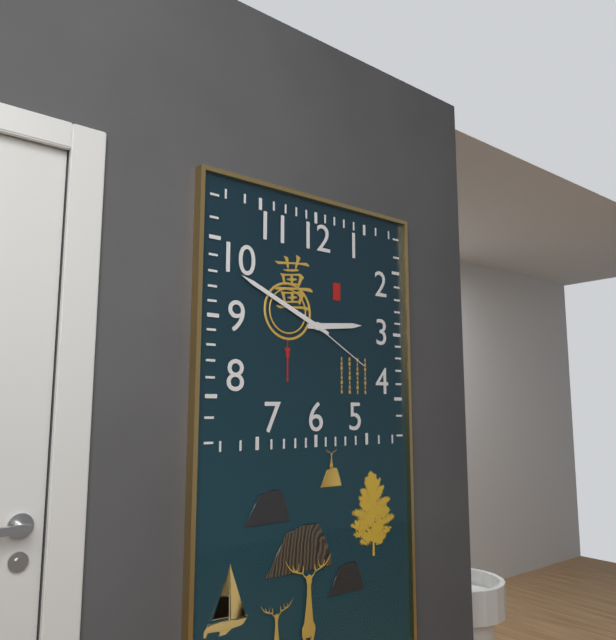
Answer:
2 h 49 min 20 s
